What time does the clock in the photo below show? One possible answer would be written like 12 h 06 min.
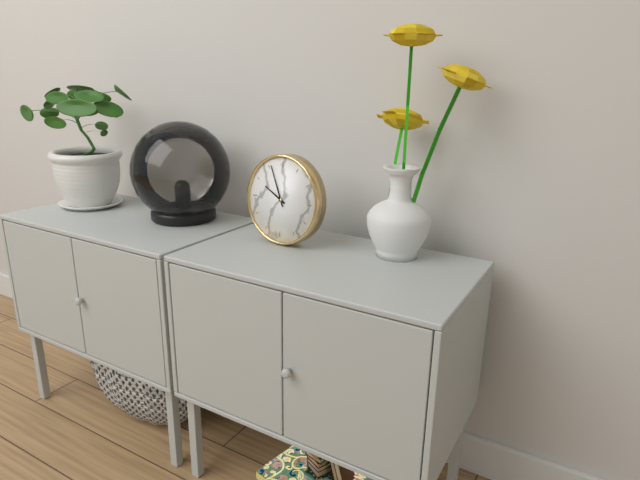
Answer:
9 h 56 min
